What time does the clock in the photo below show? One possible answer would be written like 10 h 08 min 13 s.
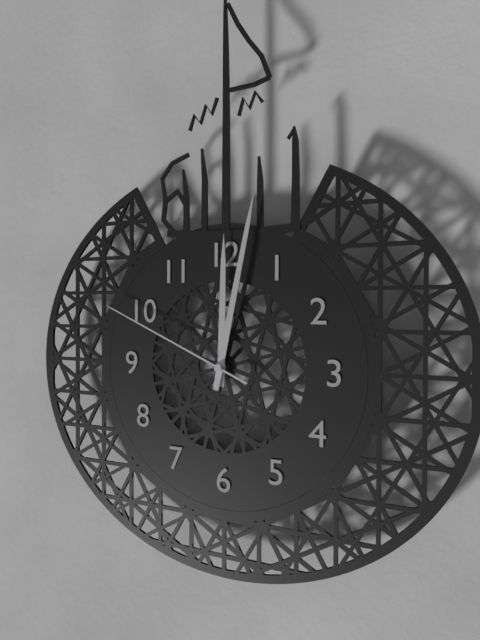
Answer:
12 h 02 min 49 s
